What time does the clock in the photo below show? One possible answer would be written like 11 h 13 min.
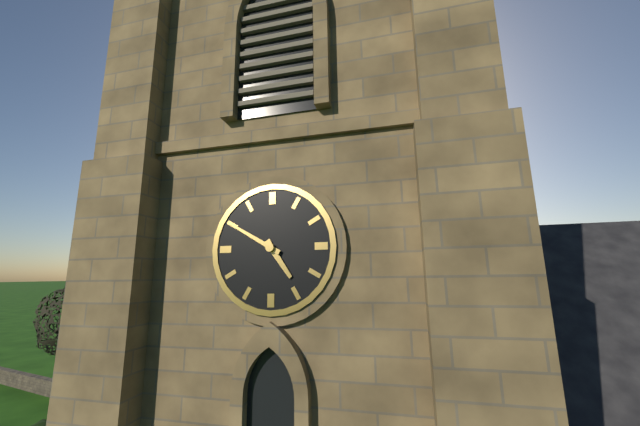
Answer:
4 h 50 min
